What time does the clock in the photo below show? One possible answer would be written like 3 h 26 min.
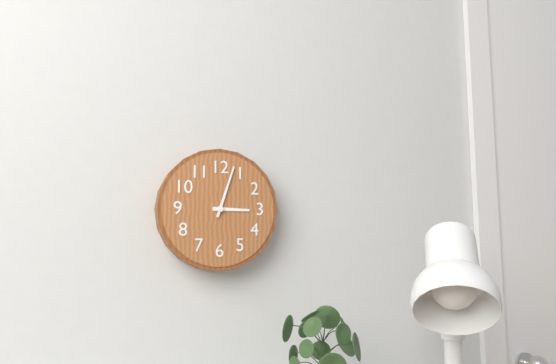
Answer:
3 h 03 min
